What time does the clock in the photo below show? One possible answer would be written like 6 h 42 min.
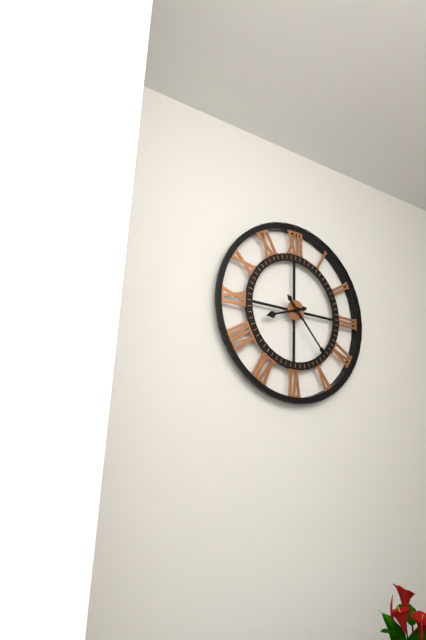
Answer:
8 h 23 min
